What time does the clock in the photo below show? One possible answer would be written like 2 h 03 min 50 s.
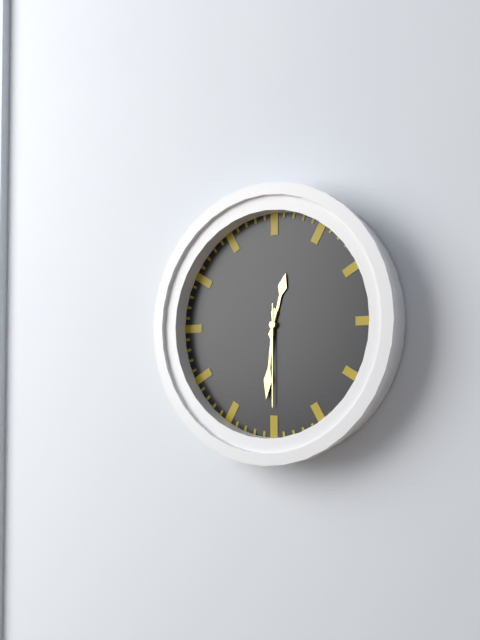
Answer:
12 h 31 min 30 s
